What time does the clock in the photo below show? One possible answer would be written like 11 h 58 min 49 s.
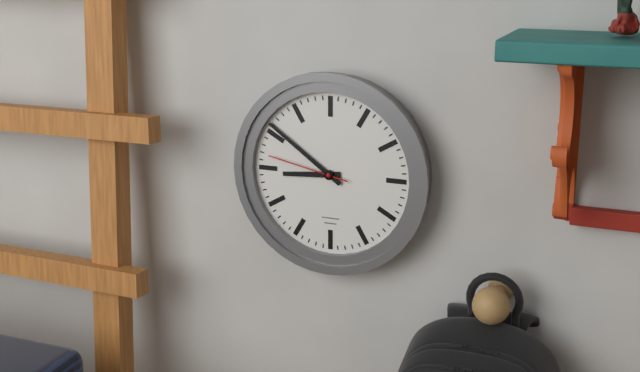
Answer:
8 h 51 min 47 s
